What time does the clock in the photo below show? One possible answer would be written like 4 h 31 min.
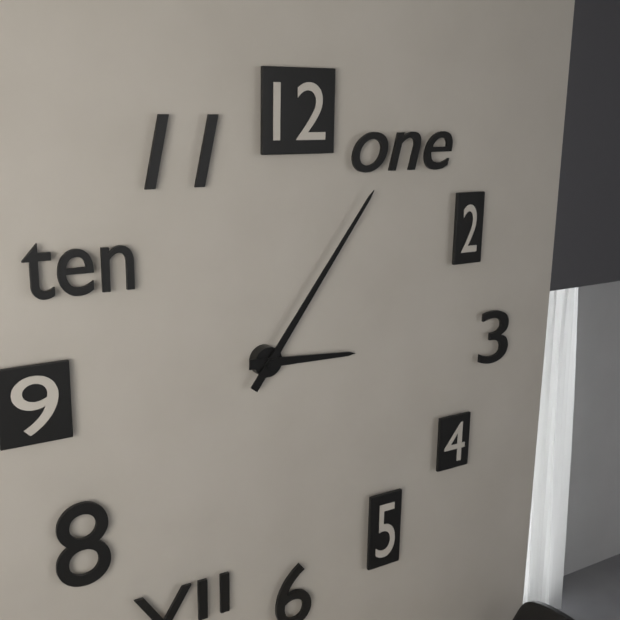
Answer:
3 h 06 min
